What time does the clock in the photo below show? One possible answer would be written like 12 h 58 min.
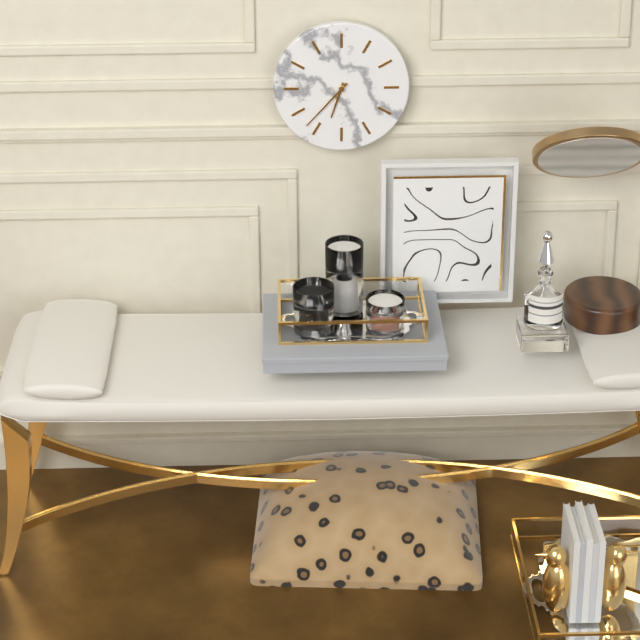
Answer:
6 h 37 min
